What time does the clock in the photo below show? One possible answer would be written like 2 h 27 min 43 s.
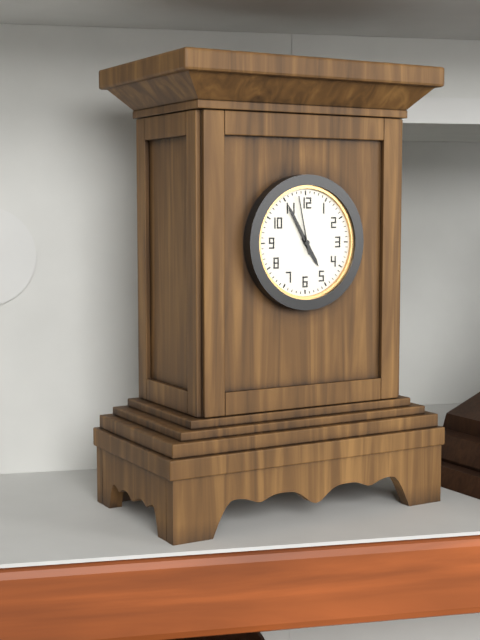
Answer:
4 h 55 min 58 s
